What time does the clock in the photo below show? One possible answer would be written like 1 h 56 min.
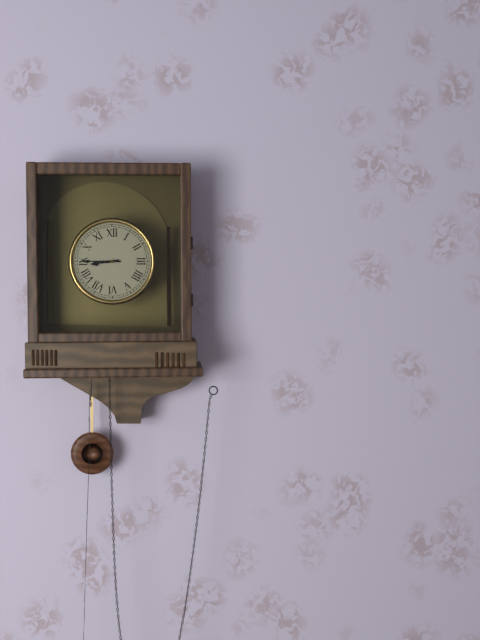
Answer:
8 h 45 min
